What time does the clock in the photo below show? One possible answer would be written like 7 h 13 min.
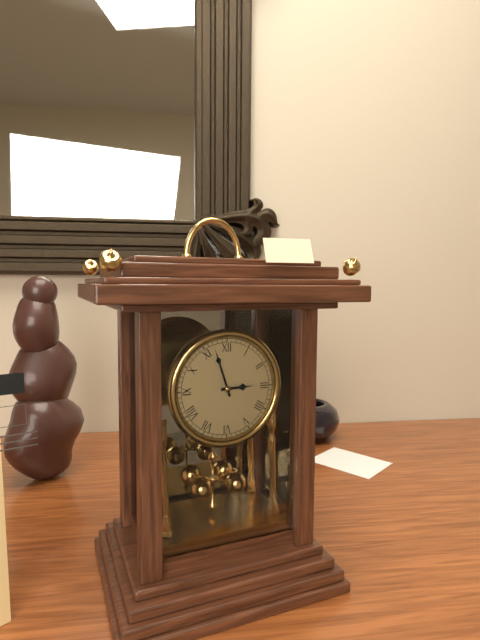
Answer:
2 h 57 min
